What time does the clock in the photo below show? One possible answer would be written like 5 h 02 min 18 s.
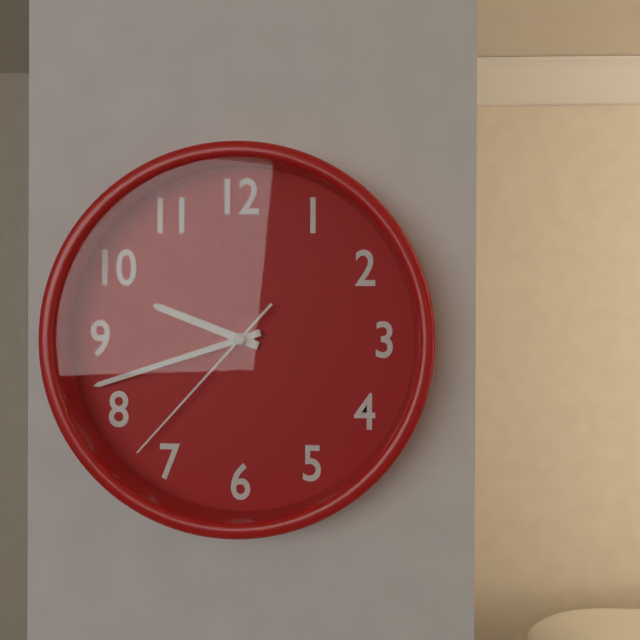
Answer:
9 h 42 min 37 s
